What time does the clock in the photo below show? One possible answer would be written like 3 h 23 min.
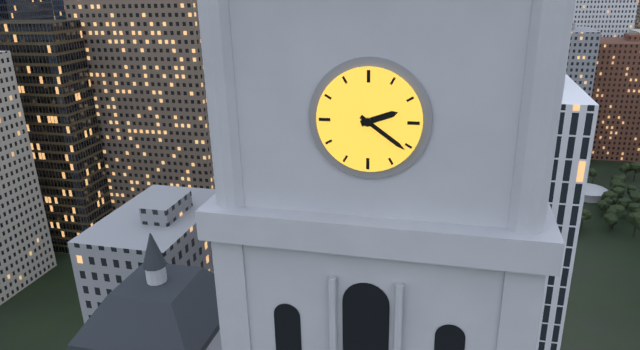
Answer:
2 h 21 min
